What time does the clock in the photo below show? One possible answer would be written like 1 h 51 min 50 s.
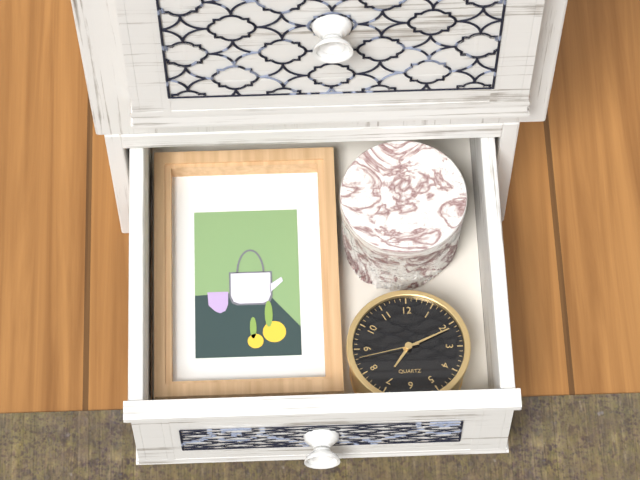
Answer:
7 h 11 min 43 s
